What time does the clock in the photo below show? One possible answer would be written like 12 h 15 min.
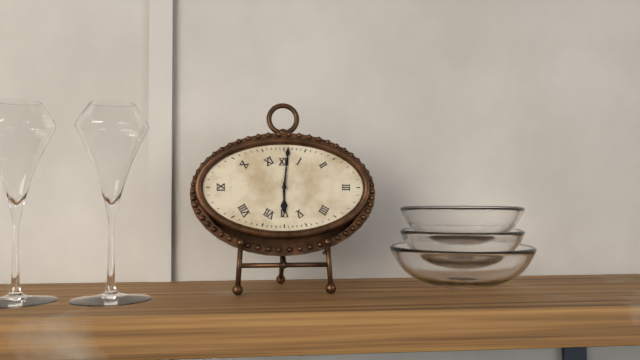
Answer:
6 h 01 min
